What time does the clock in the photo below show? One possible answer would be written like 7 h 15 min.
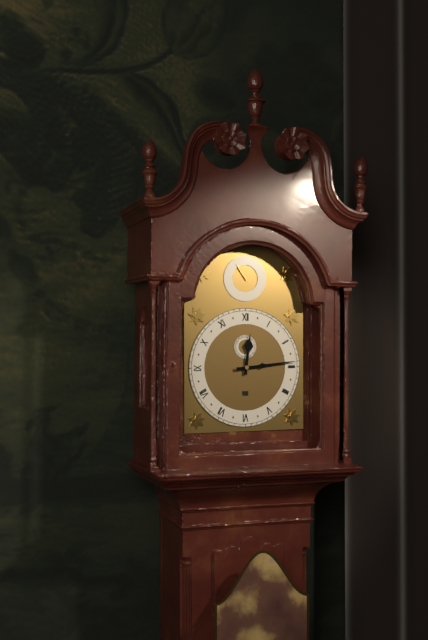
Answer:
12 h 14 min
